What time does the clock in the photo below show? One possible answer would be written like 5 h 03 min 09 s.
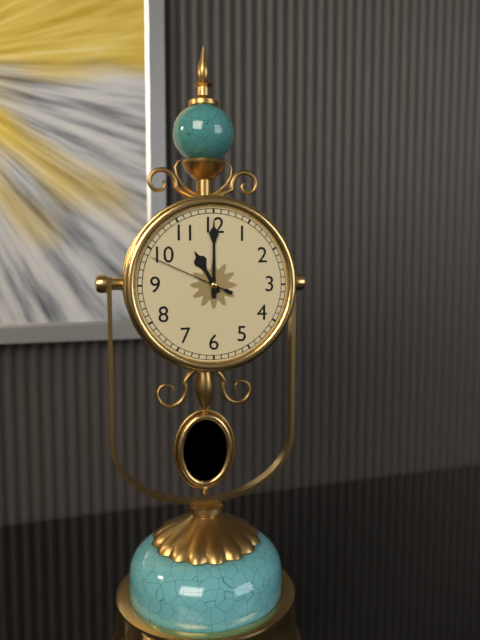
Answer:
11 h 00 min 49 s
